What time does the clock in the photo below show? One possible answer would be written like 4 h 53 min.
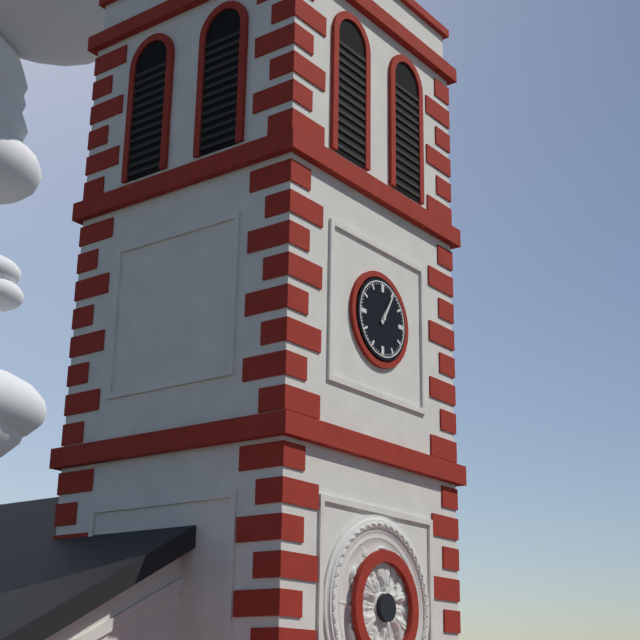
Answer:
1 h 05 min
